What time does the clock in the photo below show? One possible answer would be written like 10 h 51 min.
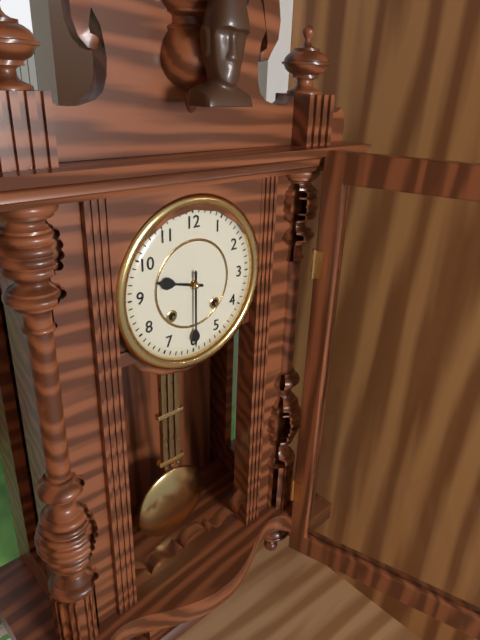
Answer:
9 h 30 min
